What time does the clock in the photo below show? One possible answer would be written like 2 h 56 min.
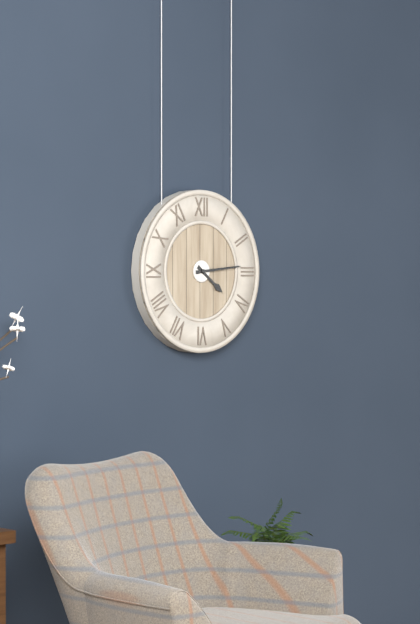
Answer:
4 h 14 min
